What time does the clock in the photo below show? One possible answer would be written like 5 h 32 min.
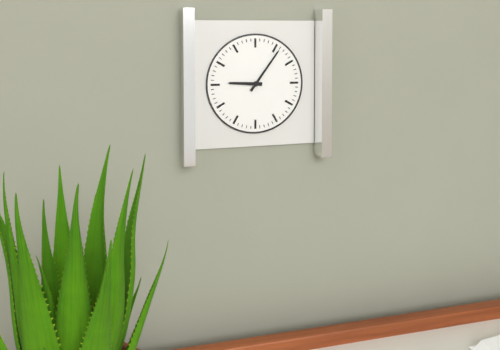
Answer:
9 h 06 min
